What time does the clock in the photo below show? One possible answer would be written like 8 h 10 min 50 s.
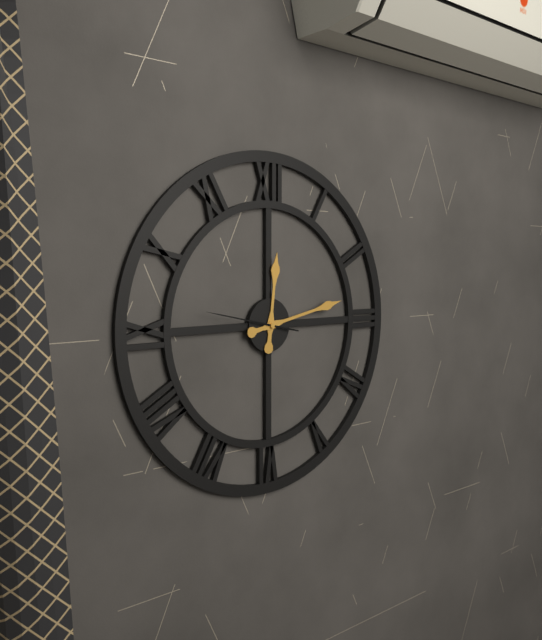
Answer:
12 h 13 min 47 s
